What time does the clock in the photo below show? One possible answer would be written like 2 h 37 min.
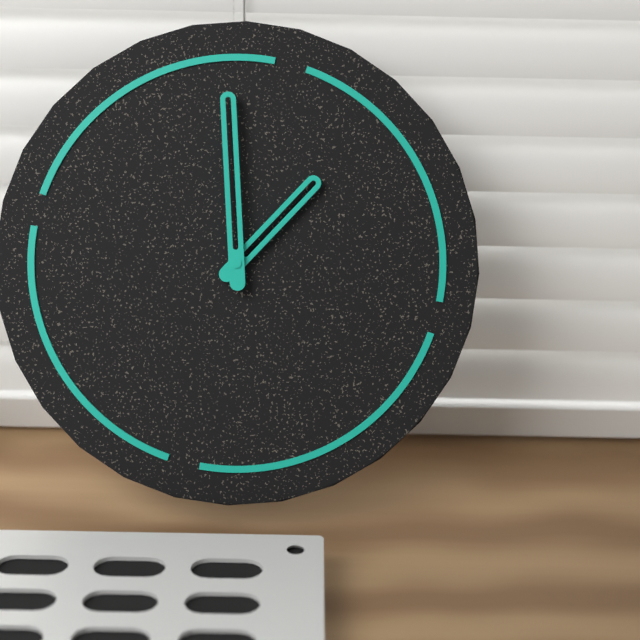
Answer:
12 h 57 min
